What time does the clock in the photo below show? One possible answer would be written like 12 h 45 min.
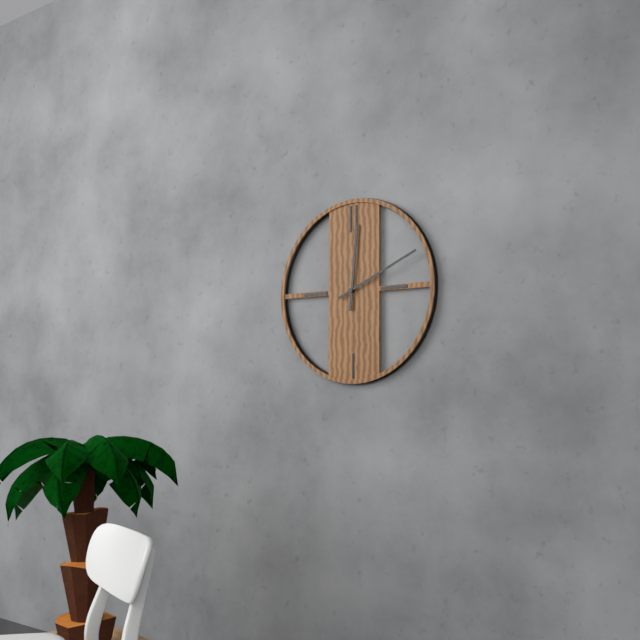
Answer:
12 h 11 min
